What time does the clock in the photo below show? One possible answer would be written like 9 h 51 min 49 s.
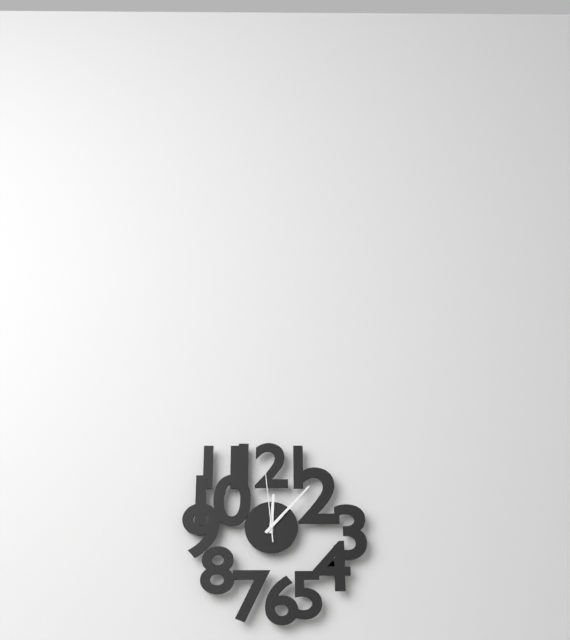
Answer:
12 h 07 min 59 s
